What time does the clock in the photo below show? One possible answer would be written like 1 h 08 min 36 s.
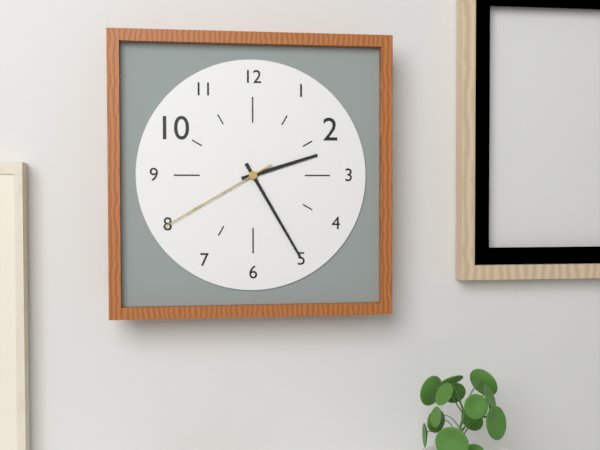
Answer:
2 h 25 min 40 s
